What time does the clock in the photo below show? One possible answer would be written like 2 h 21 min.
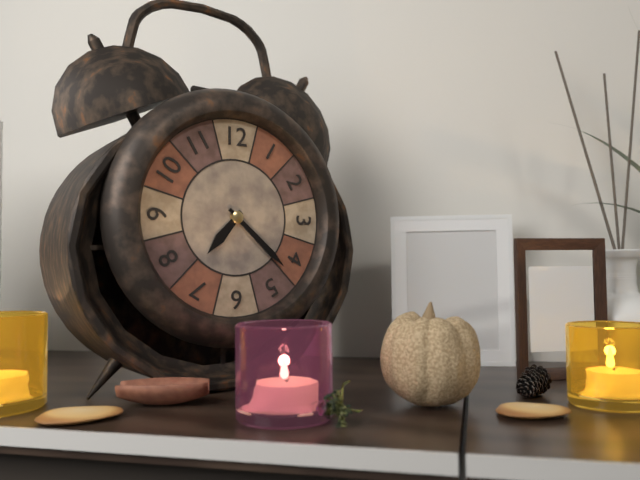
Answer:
7 h 22 min
